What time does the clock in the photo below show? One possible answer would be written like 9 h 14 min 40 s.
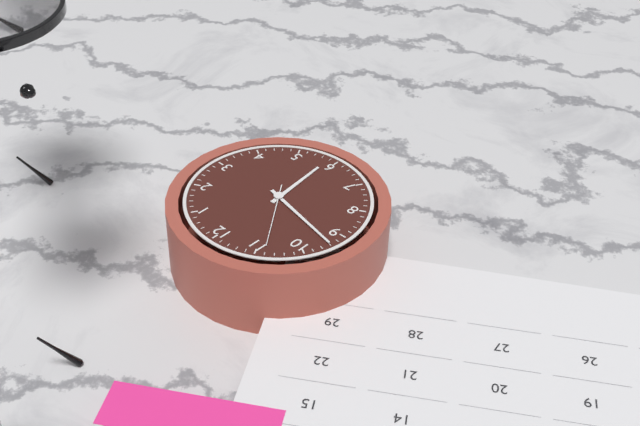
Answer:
5 h 47 min 54 s
